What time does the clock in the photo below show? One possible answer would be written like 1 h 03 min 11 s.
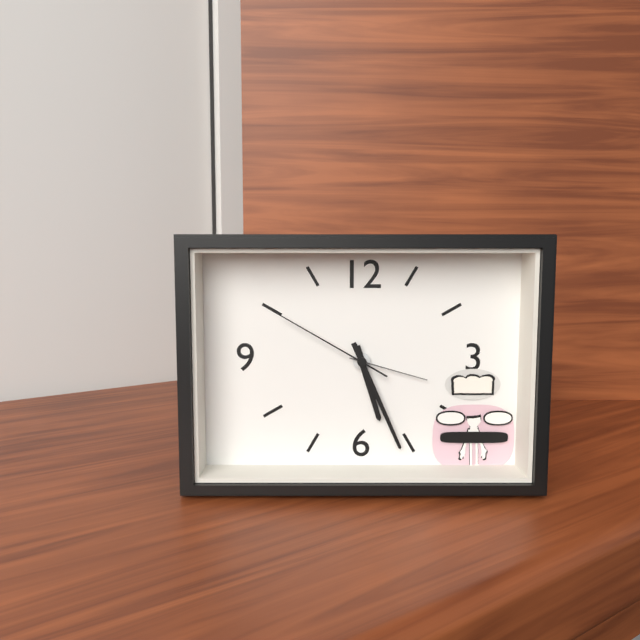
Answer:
5 h 26 min 50 s
